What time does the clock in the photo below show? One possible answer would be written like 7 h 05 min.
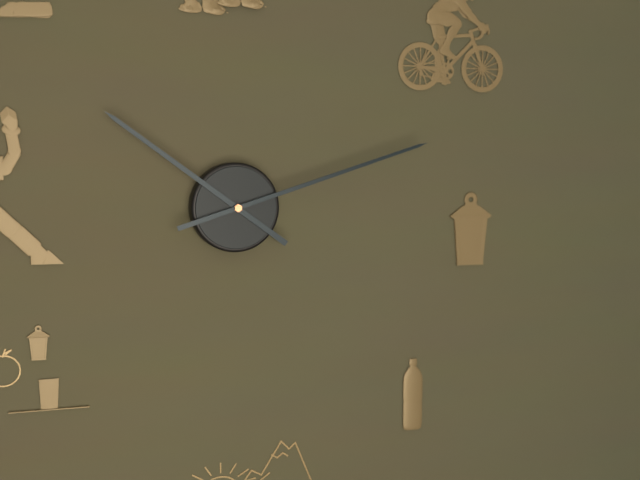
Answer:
10 h 12 min
